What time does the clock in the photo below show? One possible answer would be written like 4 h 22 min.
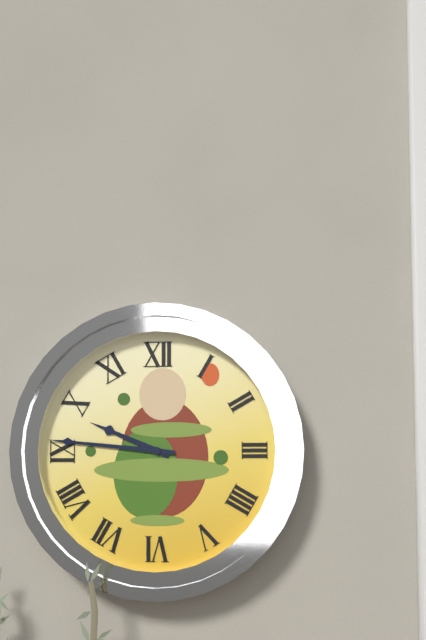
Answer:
9 h 46 min
